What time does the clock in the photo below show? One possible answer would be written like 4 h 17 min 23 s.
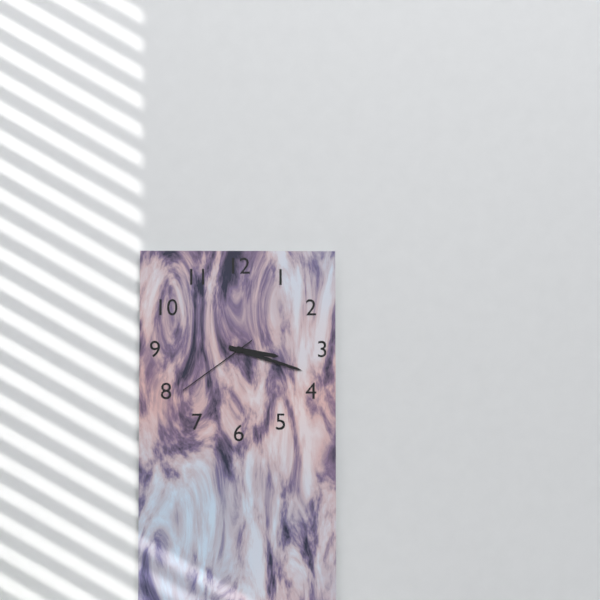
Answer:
3 h 18 min 39 s
